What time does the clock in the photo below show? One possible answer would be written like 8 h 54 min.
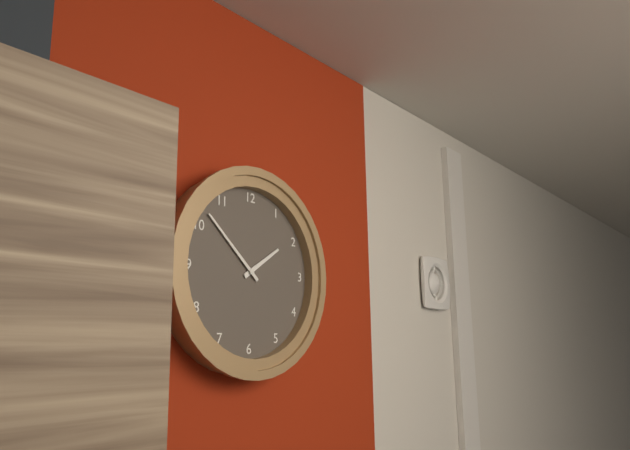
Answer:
1 h 52 min
